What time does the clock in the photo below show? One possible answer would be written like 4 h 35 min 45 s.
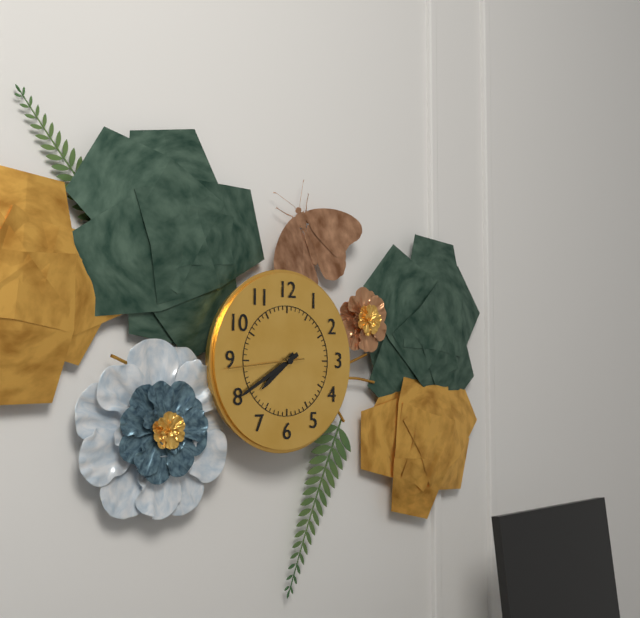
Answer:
7 h 40 min 44 s
